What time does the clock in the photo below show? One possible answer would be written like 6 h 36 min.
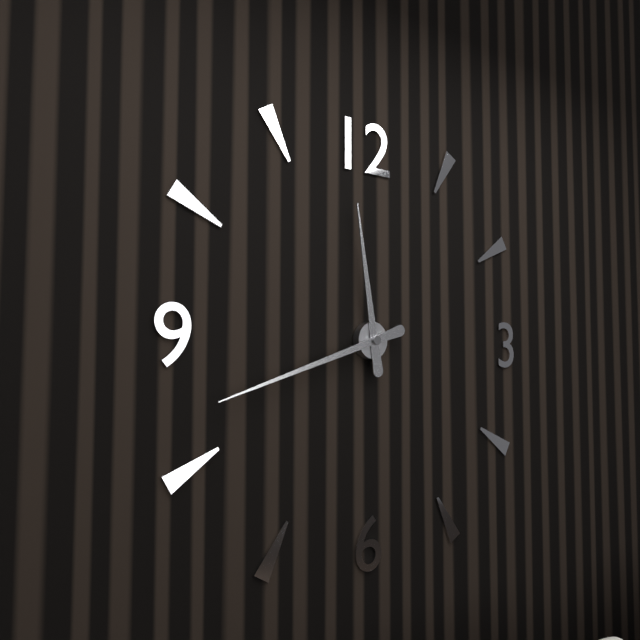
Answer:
11 h 42 min
